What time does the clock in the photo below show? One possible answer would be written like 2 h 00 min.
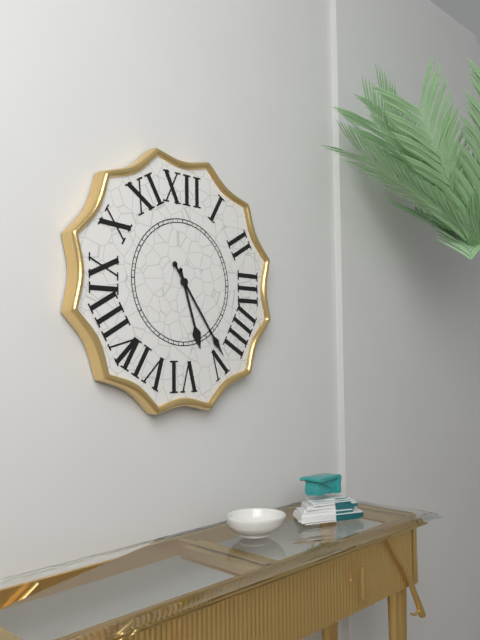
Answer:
5 h 24 min
